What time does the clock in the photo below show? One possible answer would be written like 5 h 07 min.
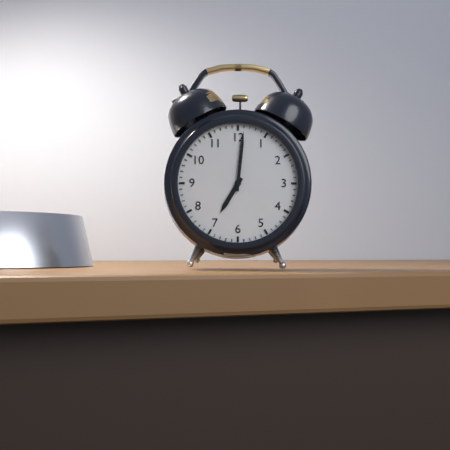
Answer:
7 h 01 min
